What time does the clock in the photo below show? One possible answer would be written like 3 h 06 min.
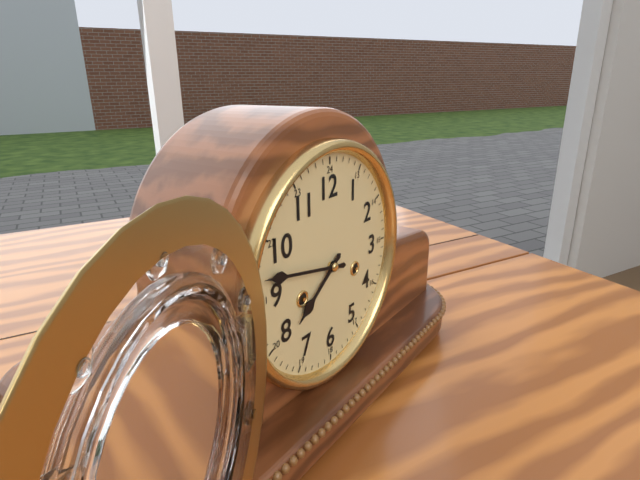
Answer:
7 h 47 min
